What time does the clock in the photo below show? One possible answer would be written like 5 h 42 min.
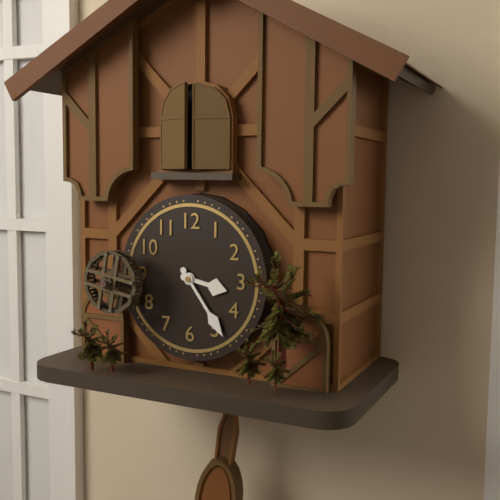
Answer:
3 h 24 min
